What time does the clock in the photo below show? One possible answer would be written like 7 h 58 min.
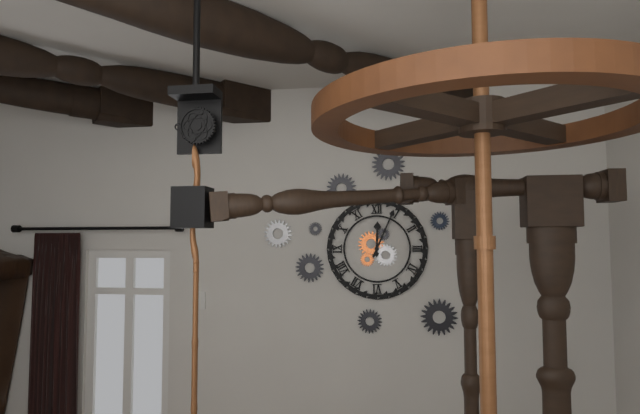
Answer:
12 h 04 min
